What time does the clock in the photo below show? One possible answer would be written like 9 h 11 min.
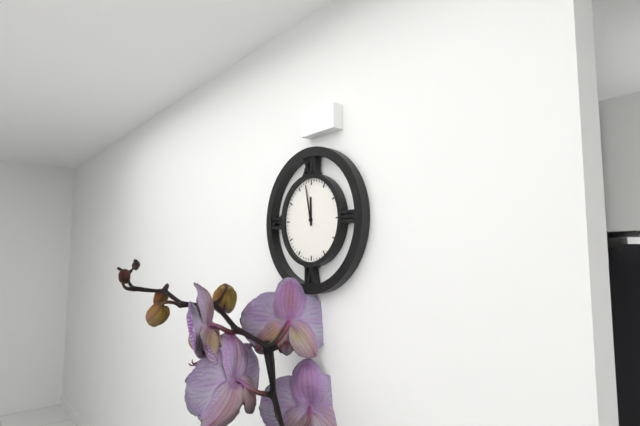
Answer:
11 h 58 min
